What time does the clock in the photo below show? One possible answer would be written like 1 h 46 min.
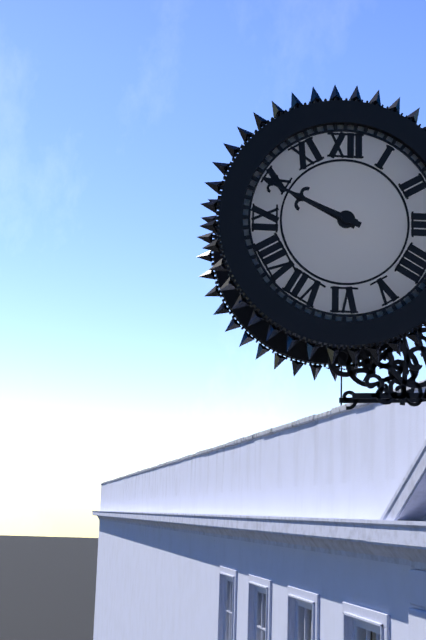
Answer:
9 h 49 min
